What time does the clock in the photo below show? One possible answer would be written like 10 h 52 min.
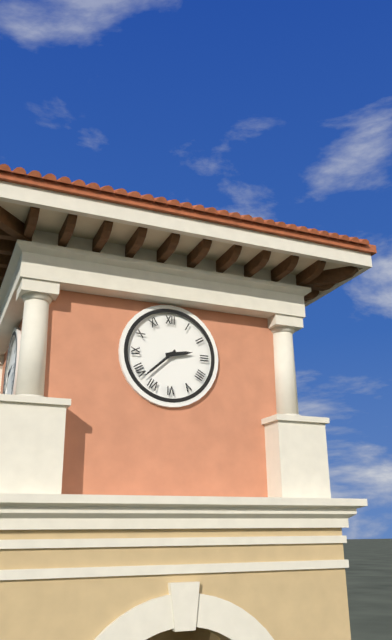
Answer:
2 h 38 min
